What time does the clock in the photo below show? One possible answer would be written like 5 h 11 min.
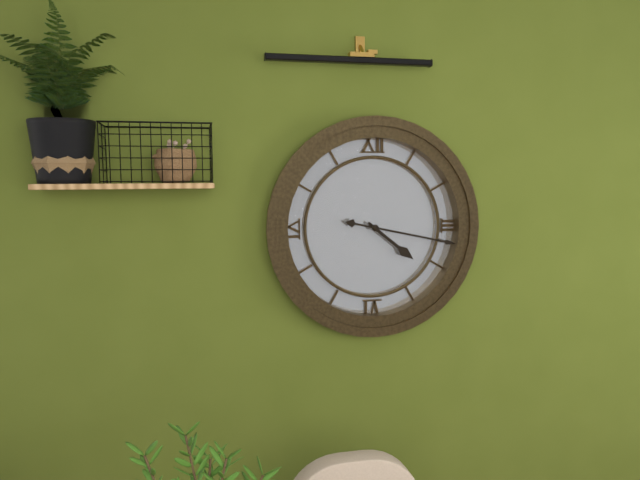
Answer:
4 h 17 min
